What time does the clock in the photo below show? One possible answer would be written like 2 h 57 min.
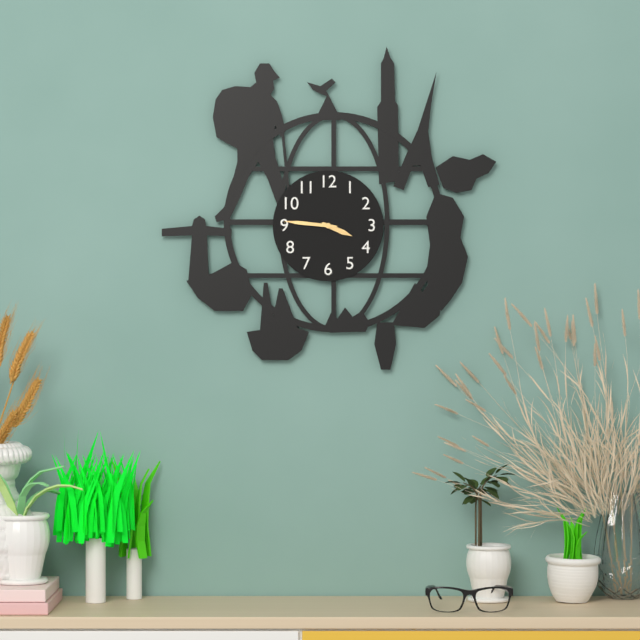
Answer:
3 h 46 min
